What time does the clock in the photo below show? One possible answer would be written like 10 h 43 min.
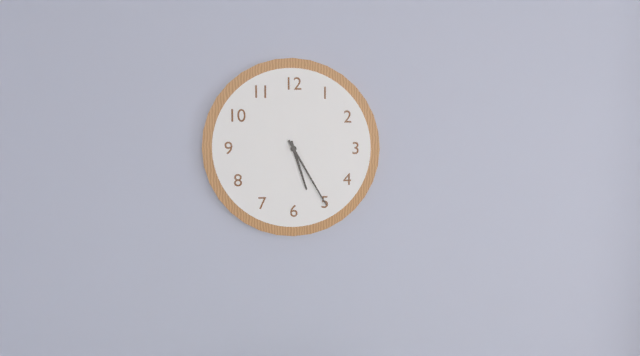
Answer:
5 h 25 min
